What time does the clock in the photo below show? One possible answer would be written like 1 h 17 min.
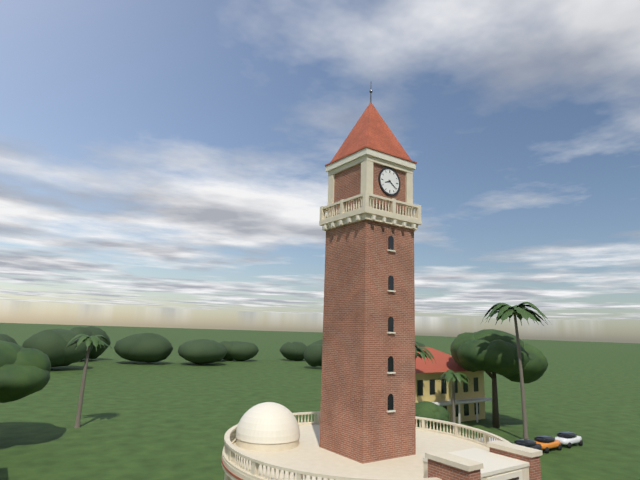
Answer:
8 h 21 min
